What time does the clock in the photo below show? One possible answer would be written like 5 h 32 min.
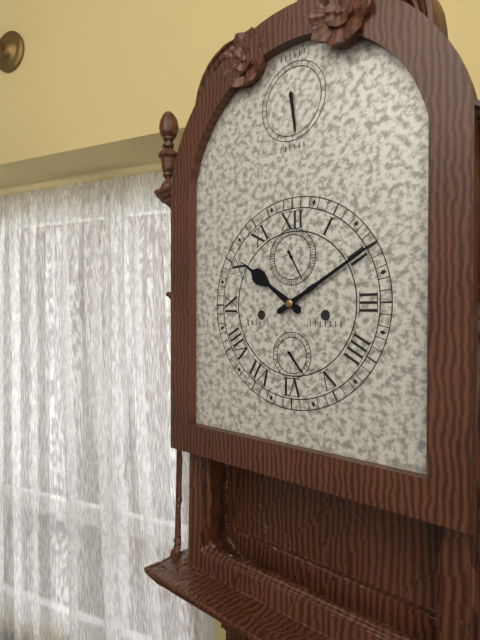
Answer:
10 h 10 min
